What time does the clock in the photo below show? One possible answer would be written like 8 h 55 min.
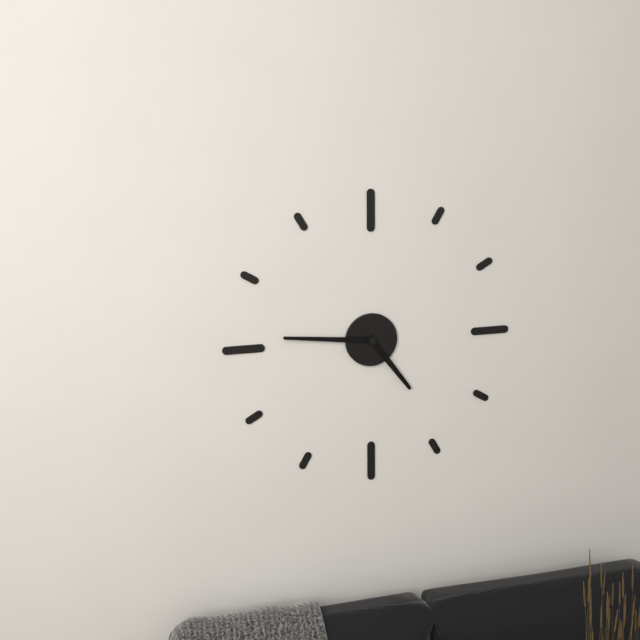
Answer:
4 h 46 min
